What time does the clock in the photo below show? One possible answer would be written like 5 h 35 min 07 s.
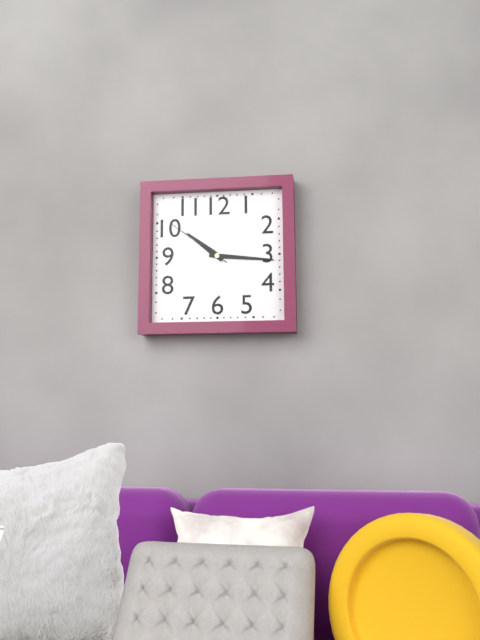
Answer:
10 h 16 min 51 s
